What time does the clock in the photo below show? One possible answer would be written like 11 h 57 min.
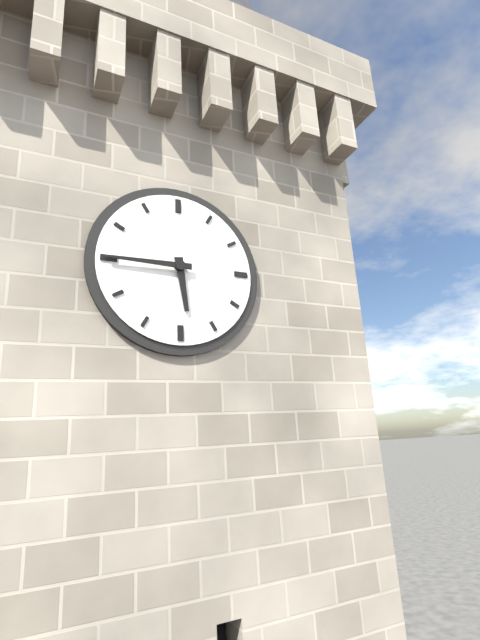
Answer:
5 h 45 min
